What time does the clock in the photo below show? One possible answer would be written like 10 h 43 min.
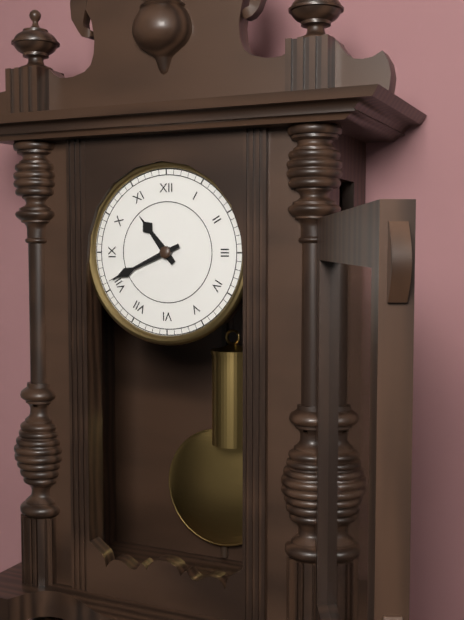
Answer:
10 h 41 min
